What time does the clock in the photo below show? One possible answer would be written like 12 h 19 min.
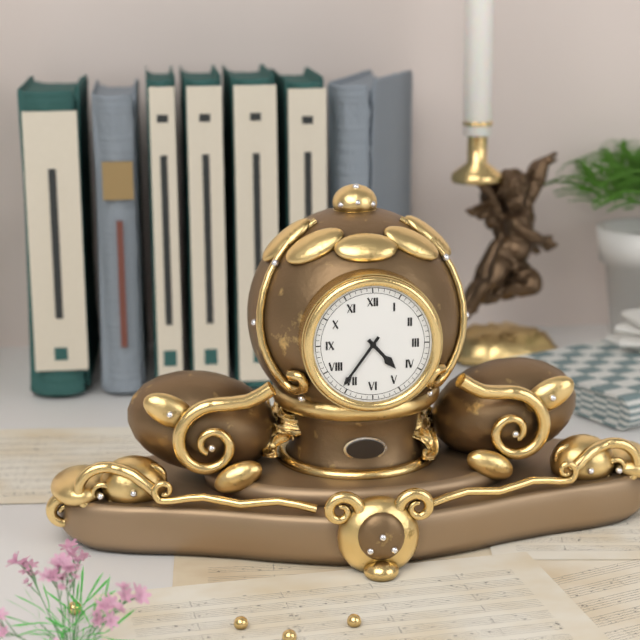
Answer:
4 h 36 min
